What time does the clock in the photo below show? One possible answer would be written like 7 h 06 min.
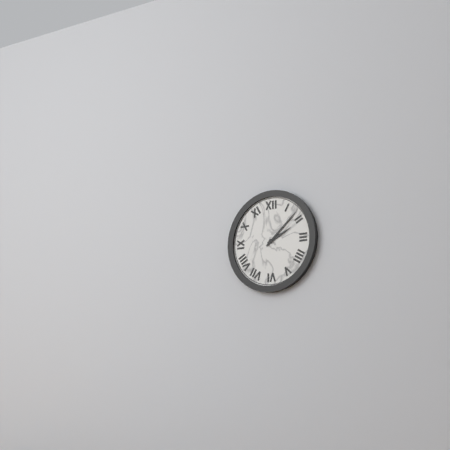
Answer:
2 h 08 min
